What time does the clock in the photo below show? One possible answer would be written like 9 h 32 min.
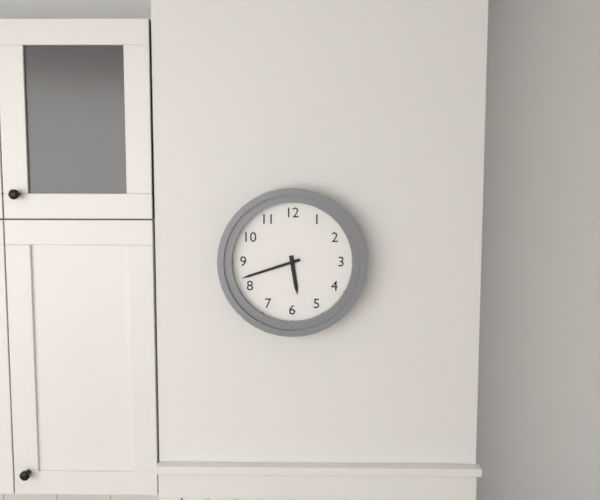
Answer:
5 h 42 min
